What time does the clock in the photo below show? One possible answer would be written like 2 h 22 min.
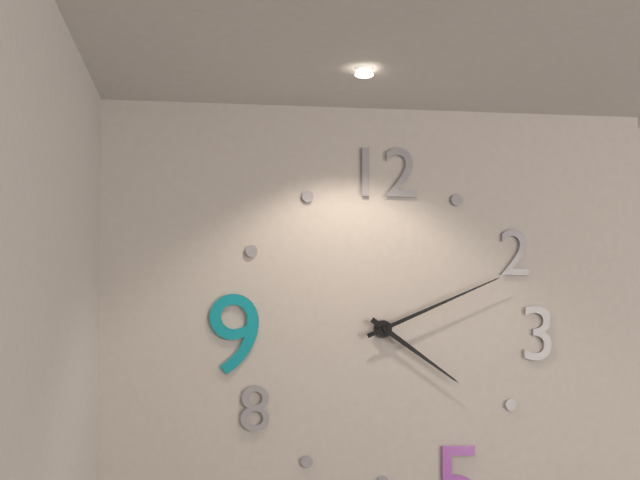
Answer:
4 h 11 min
